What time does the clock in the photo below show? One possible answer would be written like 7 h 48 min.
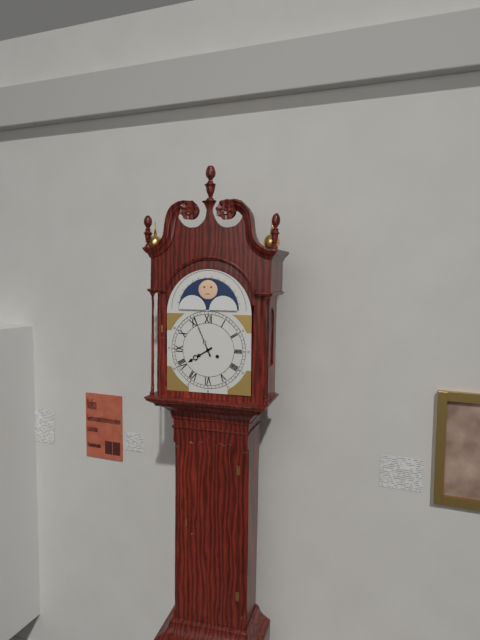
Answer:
7 h 56 min
